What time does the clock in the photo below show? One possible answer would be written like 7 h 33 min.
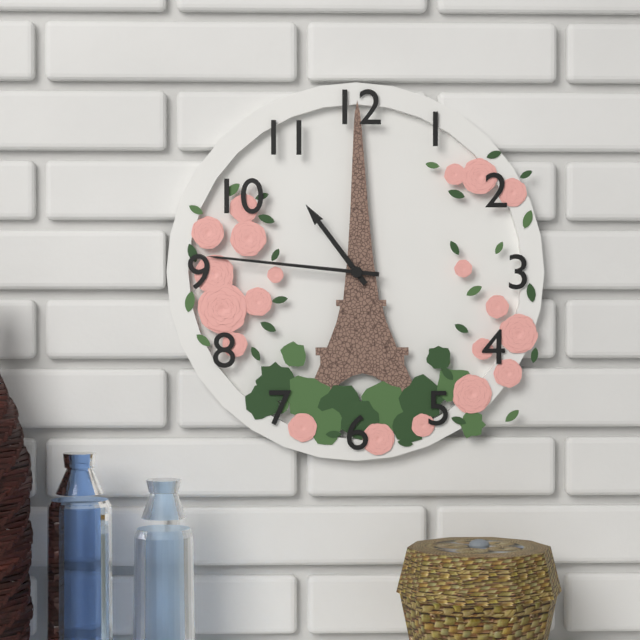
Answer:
10 h 46 min
